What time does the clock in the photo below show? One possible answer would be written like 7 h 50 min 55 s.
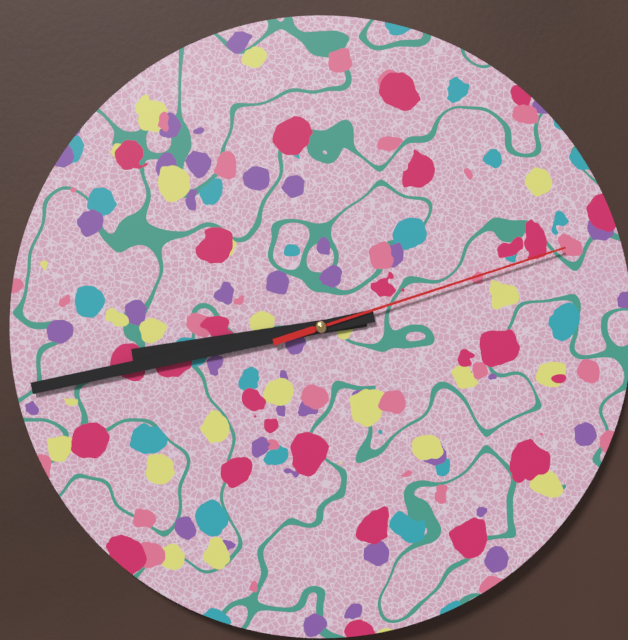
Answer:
8 h 43 min 12 s
